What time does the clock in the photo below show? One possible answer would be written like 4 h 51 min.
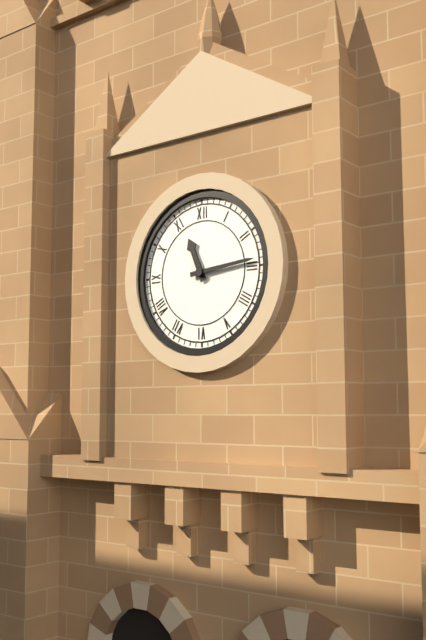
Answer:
11 h 14 min
